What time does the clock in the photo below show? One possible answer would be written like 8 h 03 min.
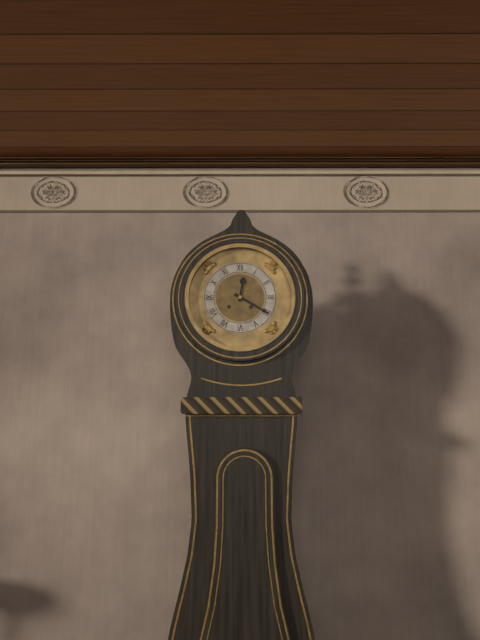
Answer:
12 h 20 min
